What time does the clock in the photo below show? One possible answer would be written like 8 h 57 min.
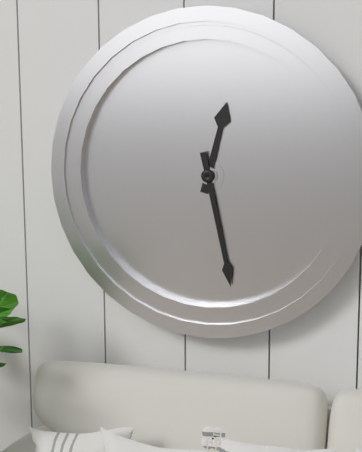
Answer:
12 h 28 min
